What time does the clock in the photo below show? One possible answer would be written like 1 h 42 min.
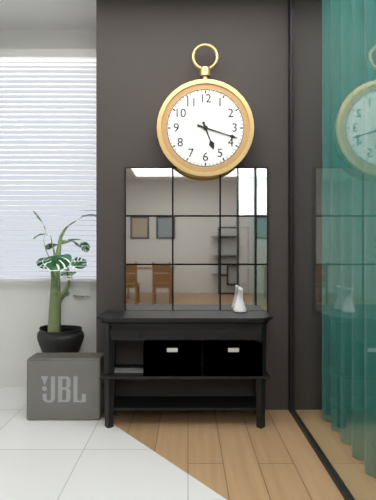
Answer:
5 h 18 min
